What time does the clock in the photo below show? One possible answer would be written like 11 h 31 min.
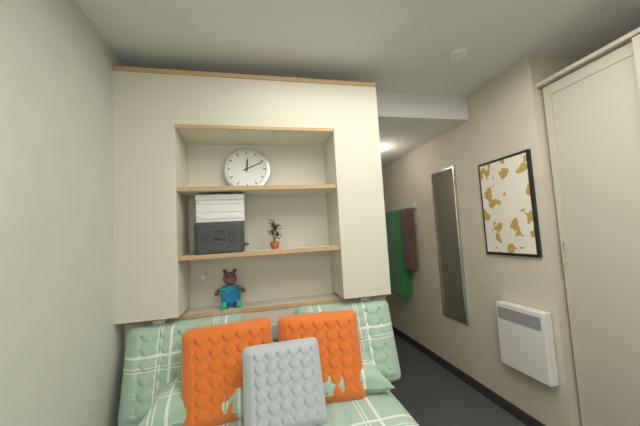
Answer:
12 h 11 min
